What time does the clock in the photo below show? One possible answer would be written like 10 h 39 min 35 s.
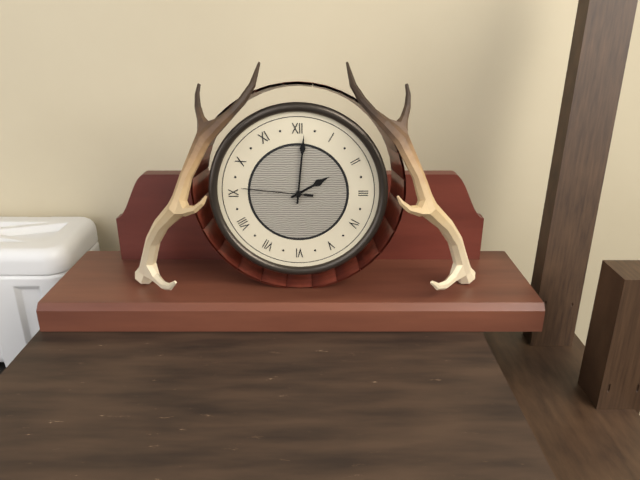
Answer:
2 h 01 min 46 s
